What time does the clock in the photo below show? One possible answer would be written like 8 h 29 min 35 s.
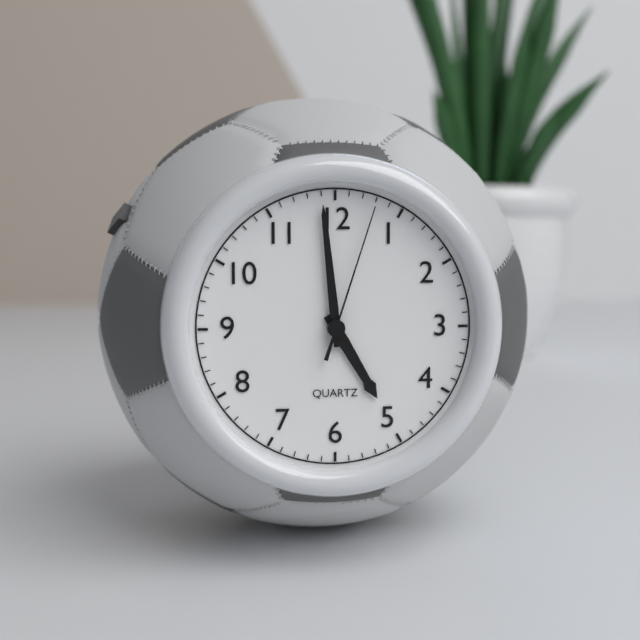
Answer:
4 h 59 min 03 s
